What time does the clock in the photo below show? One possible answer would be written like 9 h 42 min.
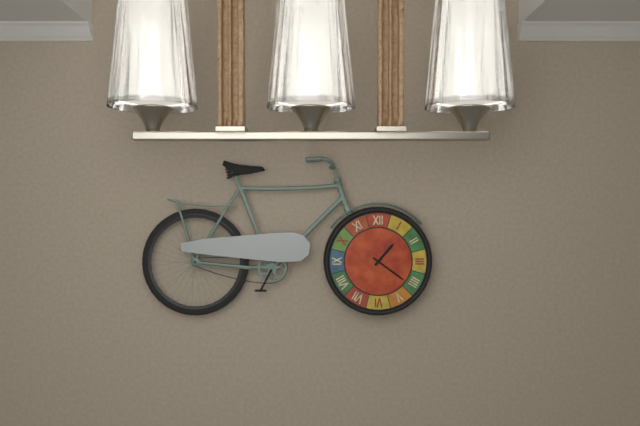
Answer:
1 h 21 min
